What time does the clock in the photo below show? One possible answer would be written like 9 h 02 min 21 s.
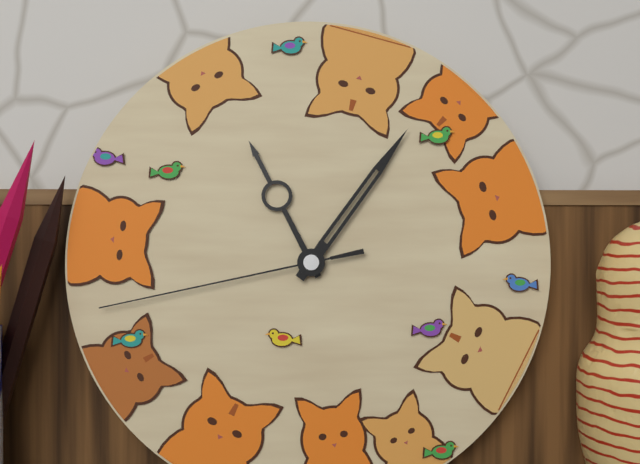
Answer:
11 h 06 min 43 s
